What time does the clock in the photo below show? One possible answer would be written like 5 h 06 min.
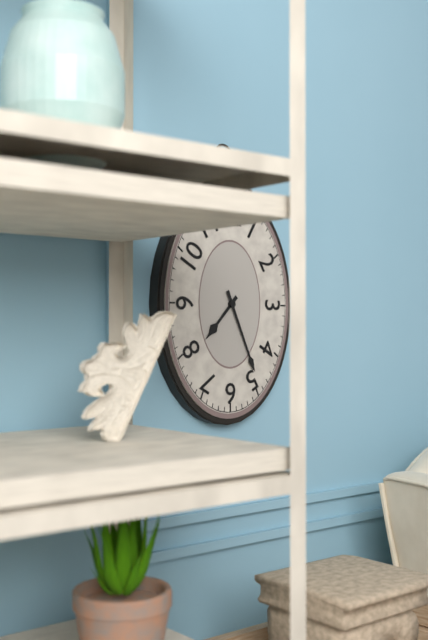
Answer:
7 h 26 min
